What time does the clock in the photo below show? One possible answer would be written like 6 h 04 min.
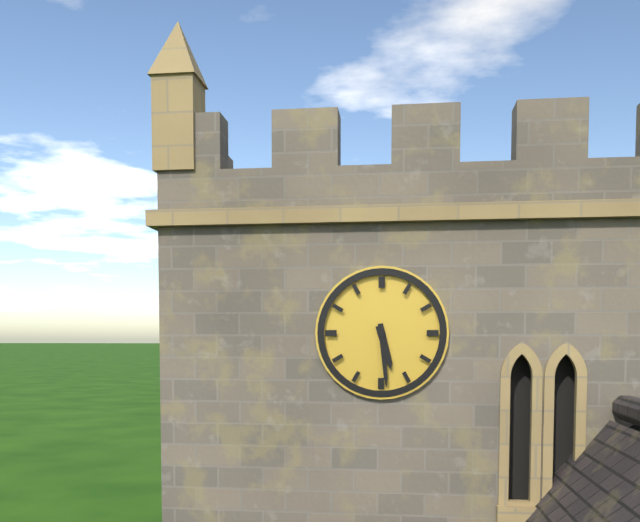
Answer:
5 h 29 min
